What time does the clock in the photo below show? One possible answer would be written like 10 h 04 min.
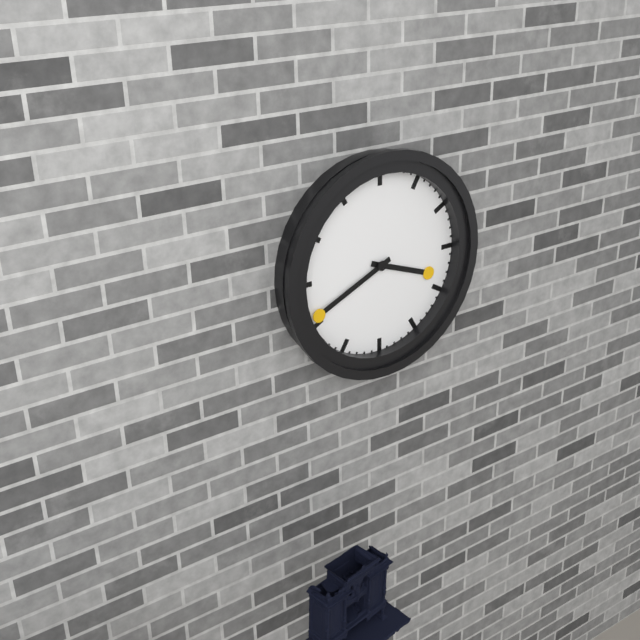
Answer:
3 h 41 min
